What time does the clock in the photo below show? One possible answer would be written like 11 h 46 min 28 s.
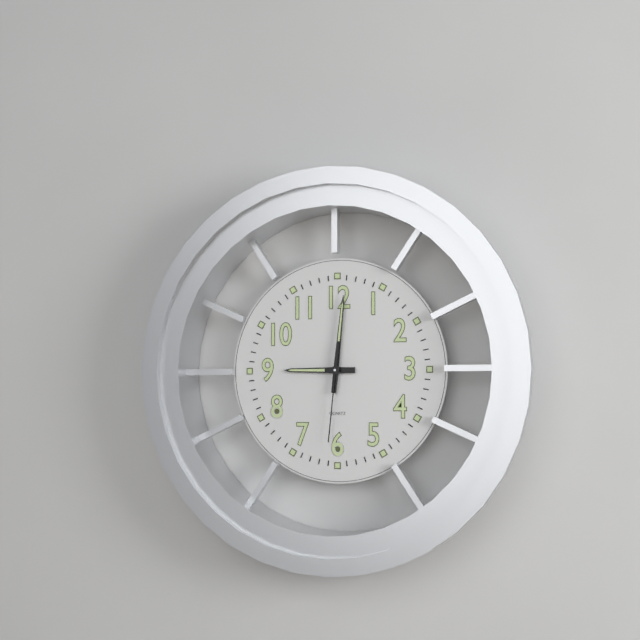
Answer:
9 h 01 min 31 s
